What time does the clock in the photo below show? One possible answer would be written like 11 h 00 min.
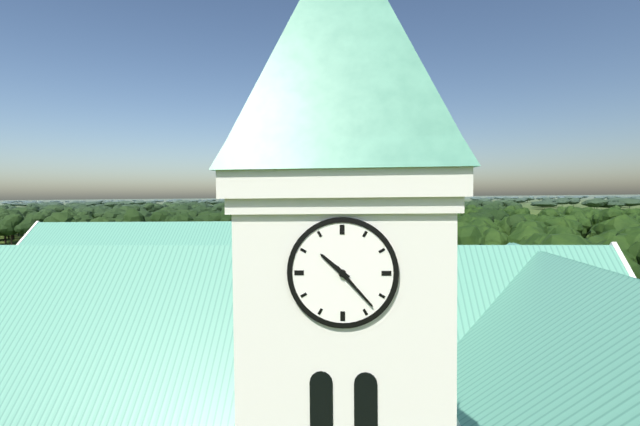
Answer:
10 h 23 min
